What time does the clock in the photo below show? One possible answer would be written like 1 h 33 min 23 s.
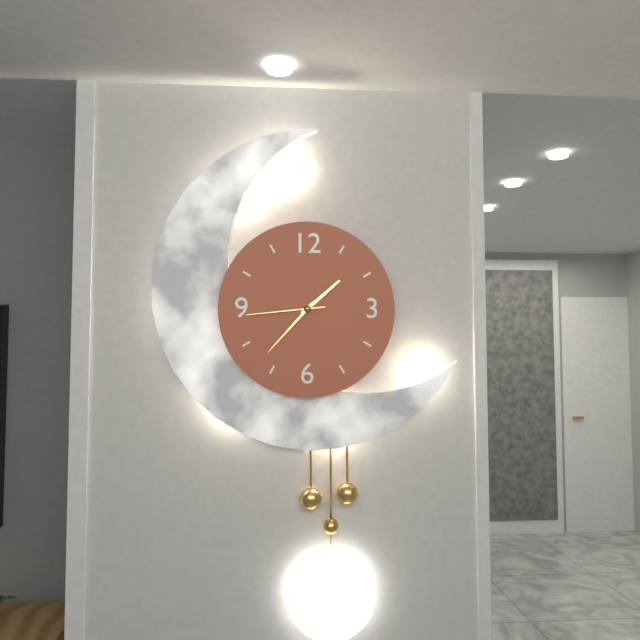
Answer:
1 h 37 min 44 s
